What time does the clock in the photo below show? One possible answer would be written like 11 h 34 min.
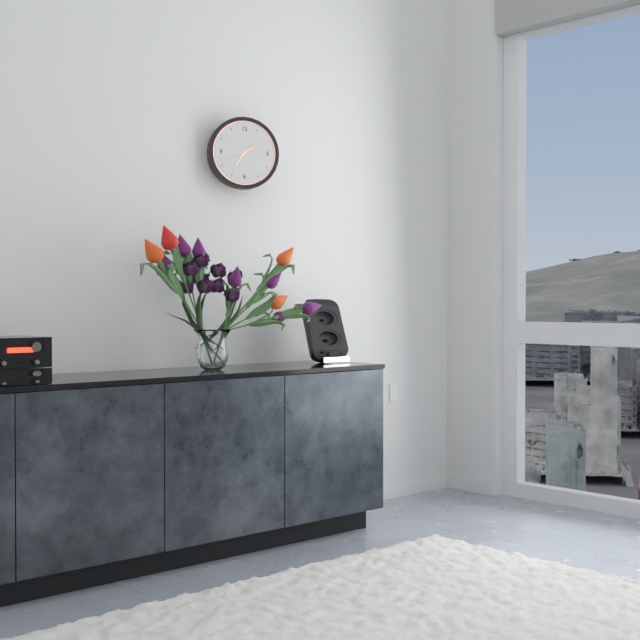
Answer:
7 h 10 min
